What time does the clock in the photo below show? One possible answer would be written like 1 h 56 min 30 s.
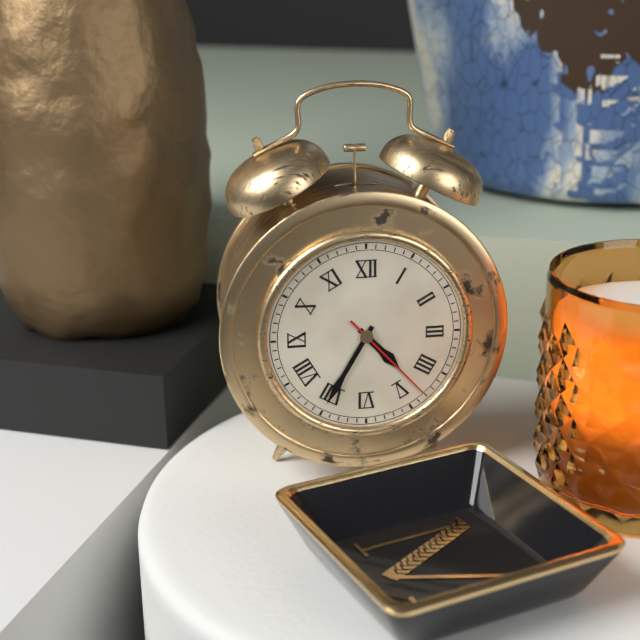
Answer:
4 h 35 min 23 s
